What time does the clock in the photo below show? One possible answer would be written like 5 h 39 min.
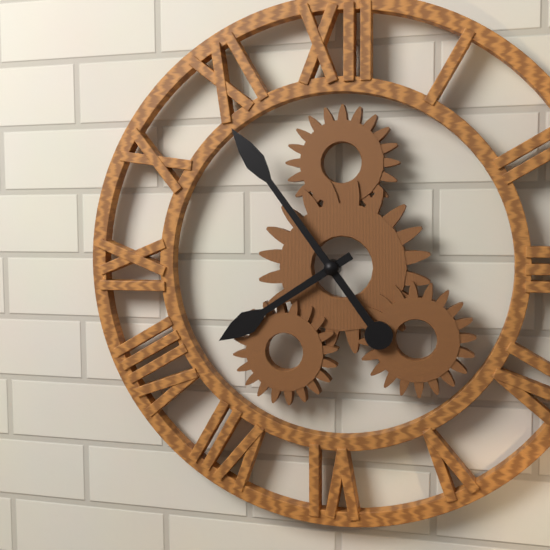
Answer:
7 h 54 min
